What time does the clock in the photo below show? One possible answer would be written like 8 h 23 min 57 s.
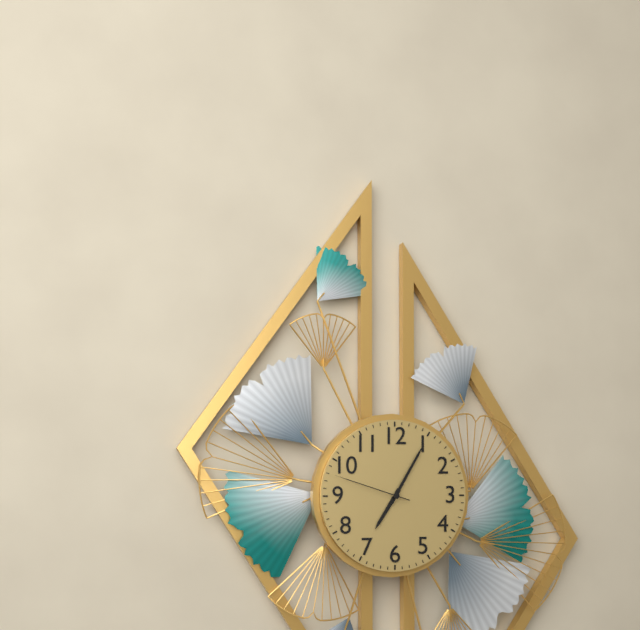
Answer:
7 h 05 min 48 s
